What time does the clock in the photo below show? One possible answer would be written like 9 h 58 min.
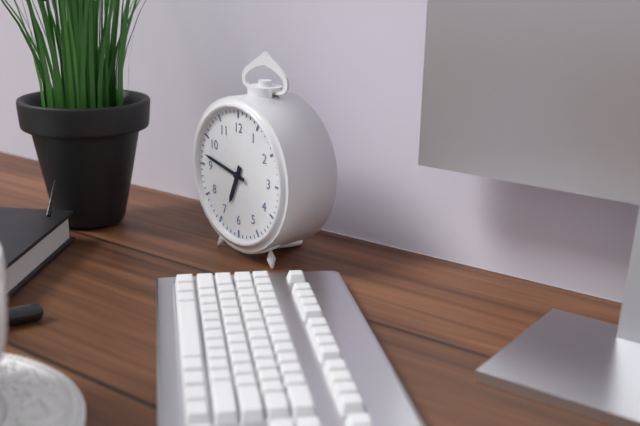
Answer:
6 h 47 min
